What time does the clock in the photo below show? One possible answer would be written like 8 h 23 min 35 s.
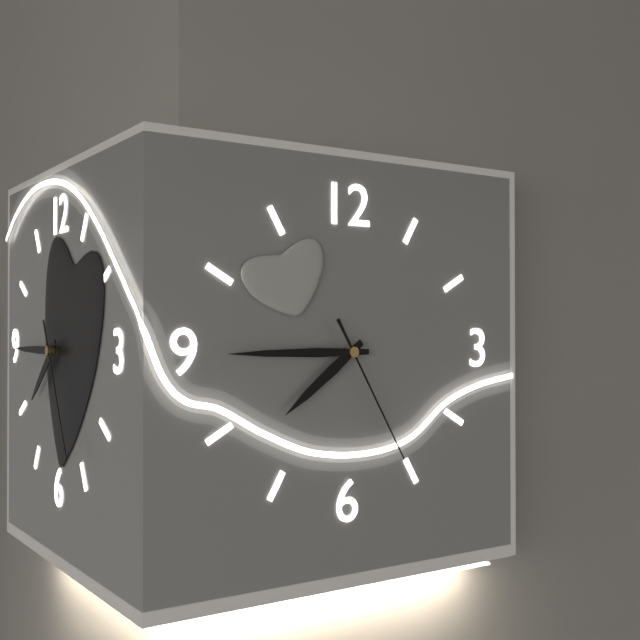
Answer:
7 h 45 min 25 s
